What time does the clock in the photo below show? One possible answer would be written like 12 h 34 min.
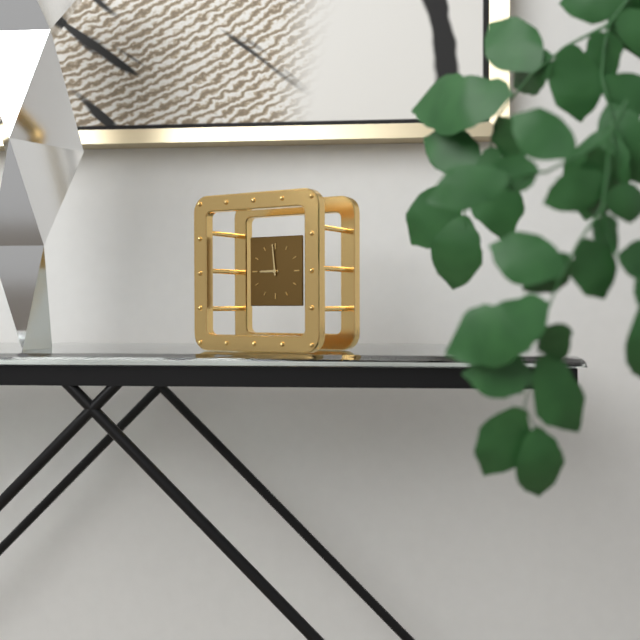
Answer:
8 h 59 min
